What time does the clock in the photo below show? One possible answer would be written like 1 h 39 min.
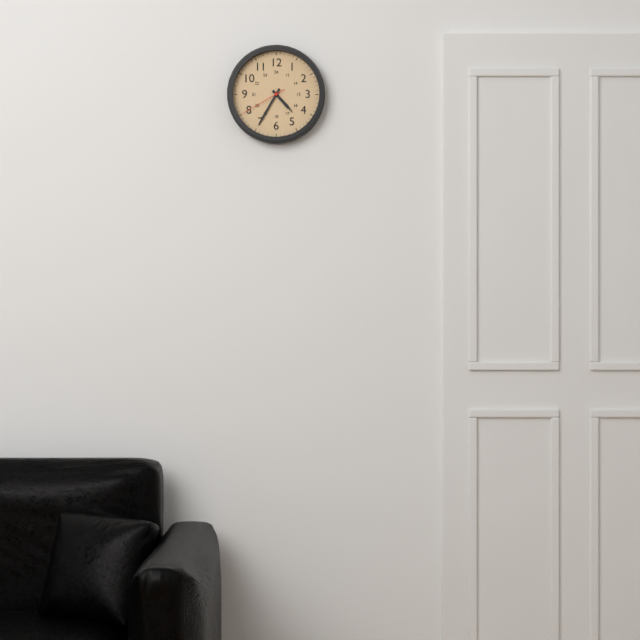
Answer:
4 h 35 min
